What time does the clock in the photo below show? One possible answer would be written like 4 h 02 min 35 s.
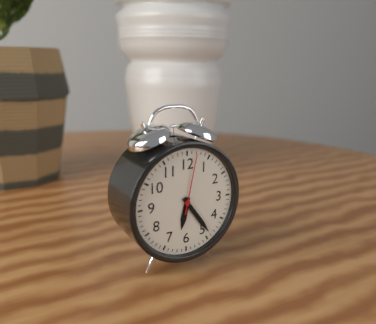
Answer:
6 h 24 min 02 s
